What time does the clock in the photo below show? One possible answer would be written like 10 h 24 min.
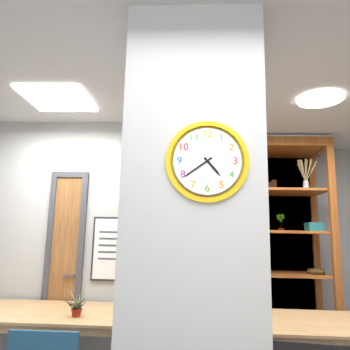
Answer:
4 h 39 min
